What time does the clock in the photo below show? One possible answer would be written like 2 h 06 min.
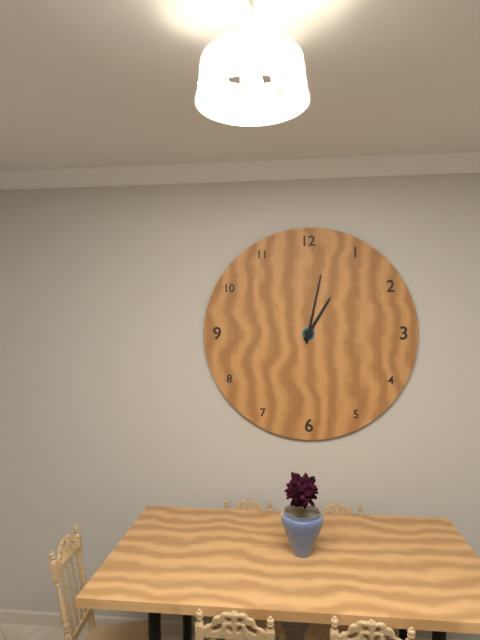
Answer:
1 h 02 min
